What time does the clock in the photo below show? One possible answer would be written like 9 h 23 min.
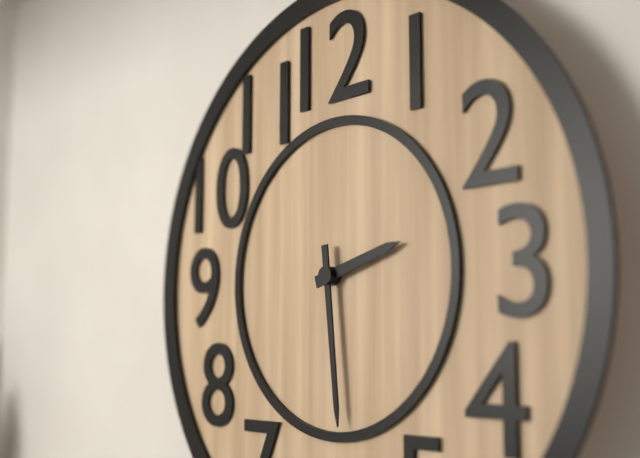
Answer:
2 h 29 min
